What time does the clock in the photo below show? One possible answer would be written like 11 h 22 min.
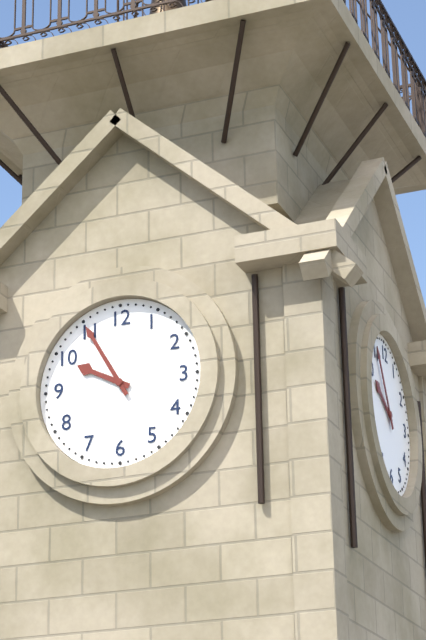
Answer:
9 h 55 min
